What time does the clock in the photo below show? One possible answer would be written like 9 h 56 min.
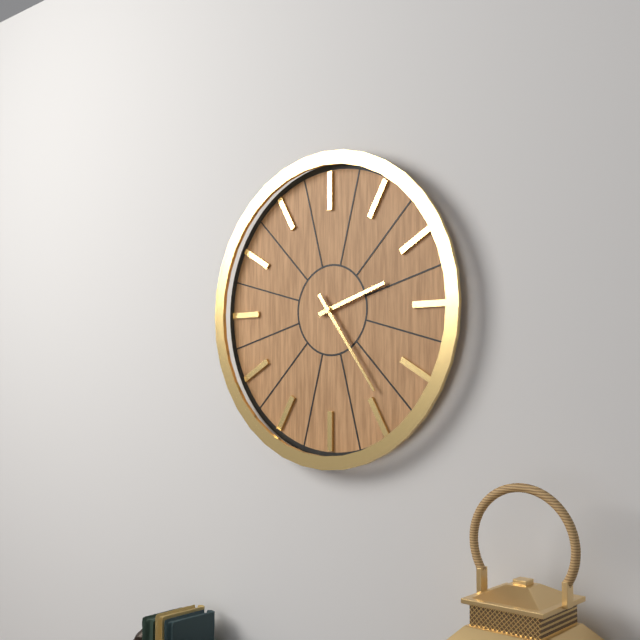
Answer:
2 h 24 min
